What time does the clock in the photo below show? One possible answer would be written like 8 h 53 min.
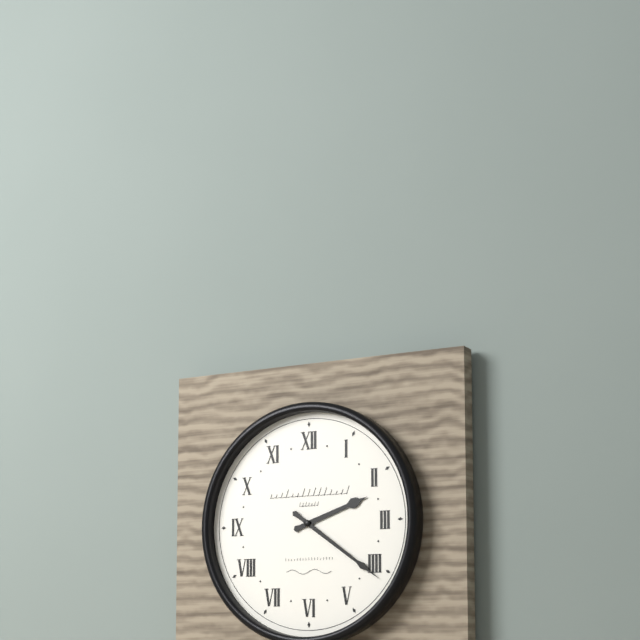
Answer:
2 h 21 min
